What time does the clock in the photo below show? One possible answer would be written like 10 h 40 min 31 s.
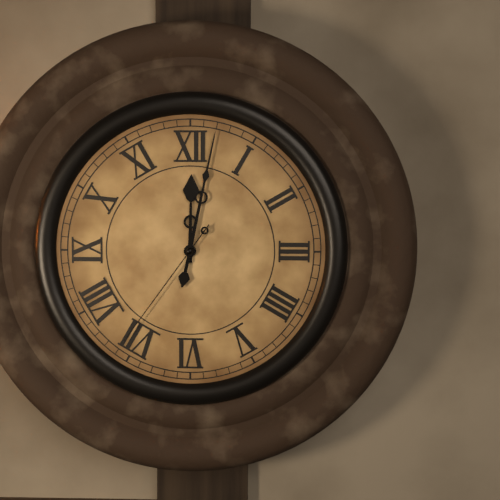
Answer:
12 h 02 min 36 s
